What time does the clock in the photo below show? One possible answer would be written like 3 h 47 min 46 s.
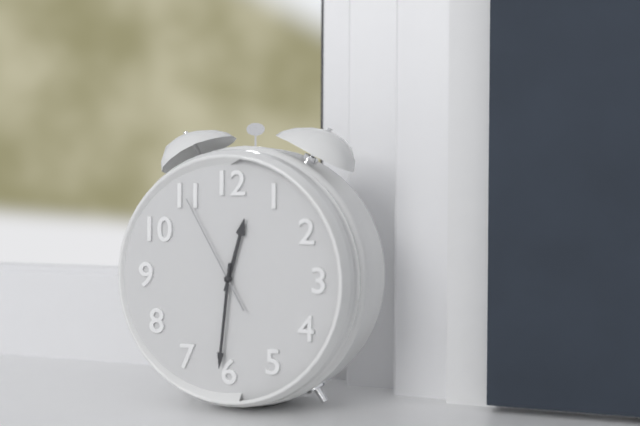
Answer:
12 h 31 min 55 s
